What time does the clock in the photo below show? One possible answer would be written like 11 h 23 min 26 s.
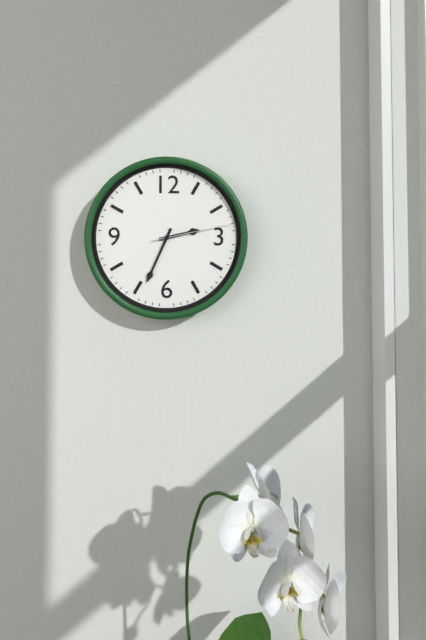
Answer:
2 h 34 min 13 s
